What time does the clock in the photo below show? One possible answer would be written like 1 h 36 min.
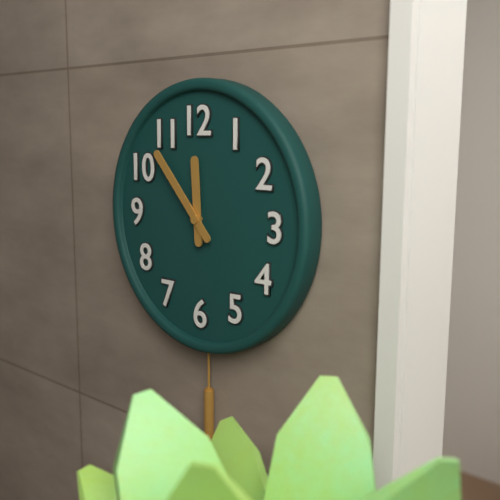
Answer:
11 h 53 min
